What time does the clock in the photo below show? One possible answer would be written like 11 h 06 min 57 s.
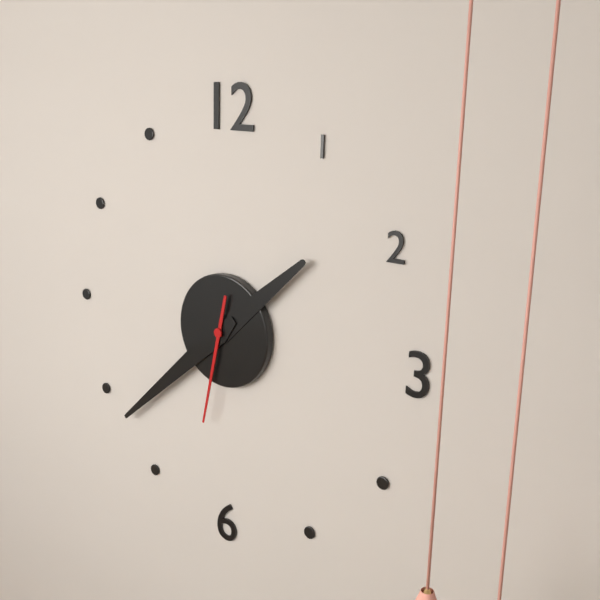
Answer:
1 h 38 min 32 s
